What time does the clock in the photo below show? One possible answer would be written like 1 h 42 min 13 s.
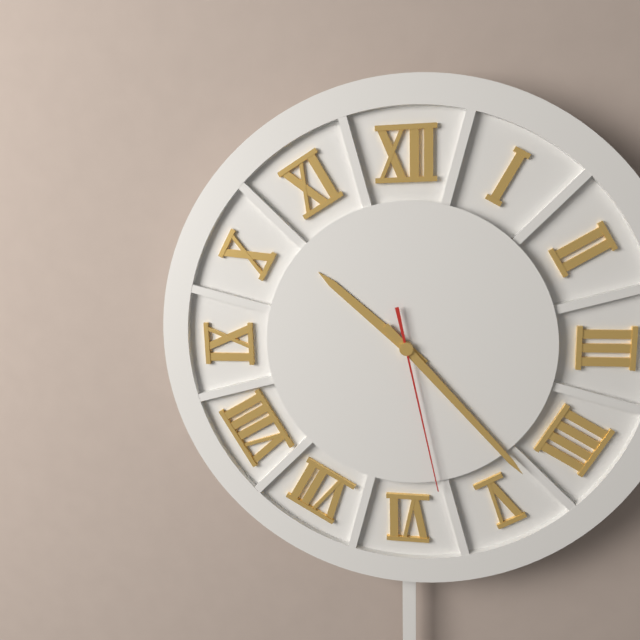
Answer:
10 h 23 min 28 s
